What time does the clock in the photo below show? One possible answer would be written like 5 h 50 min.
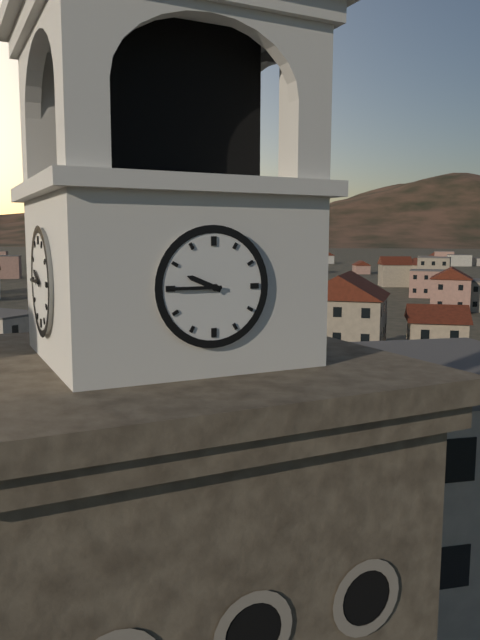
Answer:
9 h 45 min
